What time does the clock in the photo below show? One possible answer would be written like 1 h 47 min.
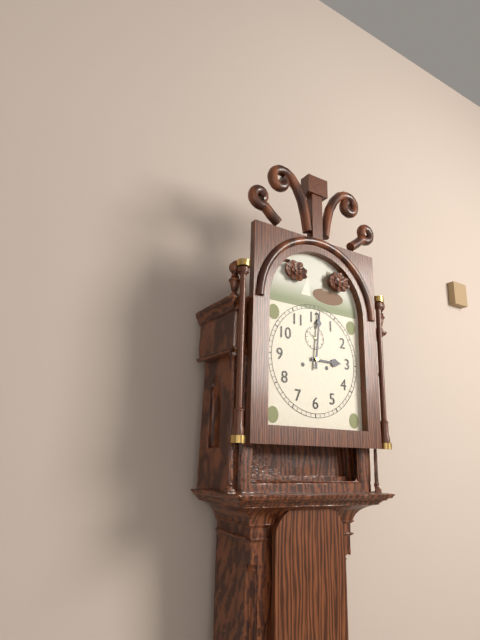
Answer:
3 h 01 min
